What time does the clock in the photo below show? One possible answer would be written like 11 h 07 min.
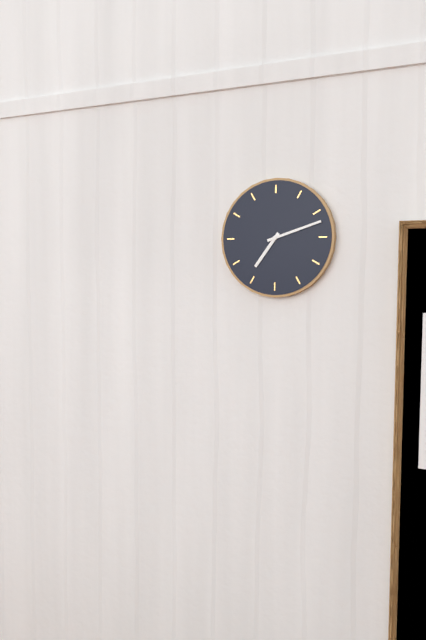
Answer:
7 h 12 min
